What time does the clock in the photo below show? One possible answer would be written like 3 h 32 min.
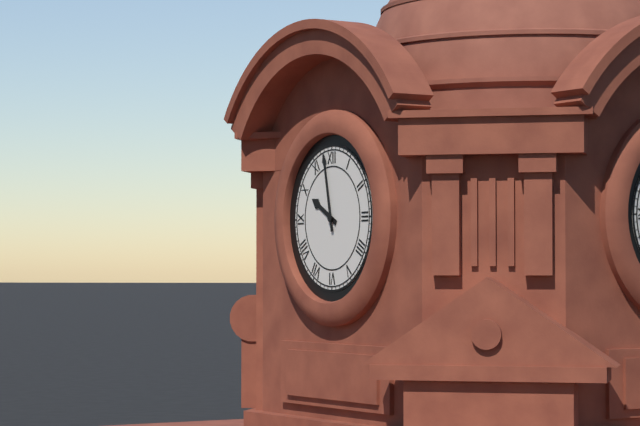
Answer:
9 h 58 min
